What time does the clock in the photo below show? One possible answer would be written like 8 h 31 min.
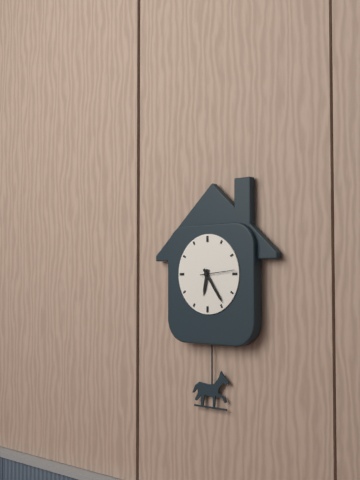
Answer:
6 h 24 min
